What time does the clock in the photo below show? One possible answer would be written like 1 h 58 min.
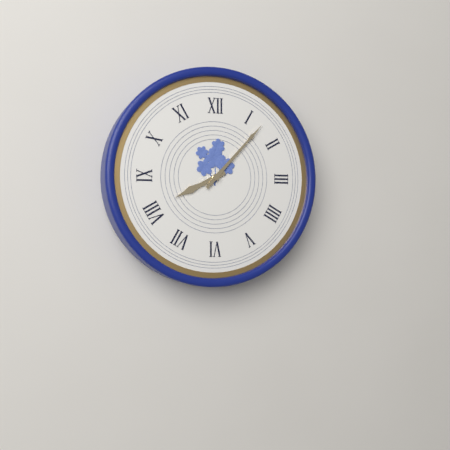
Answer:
8 h 07 min
